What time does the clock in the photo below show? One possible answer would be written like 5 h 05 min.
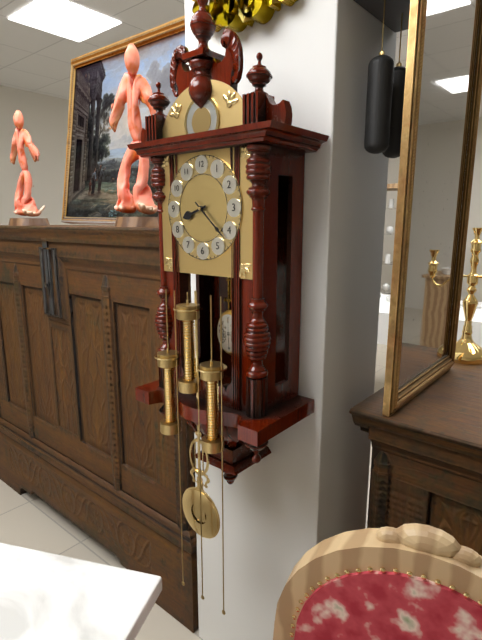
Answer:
8 h 22 min
